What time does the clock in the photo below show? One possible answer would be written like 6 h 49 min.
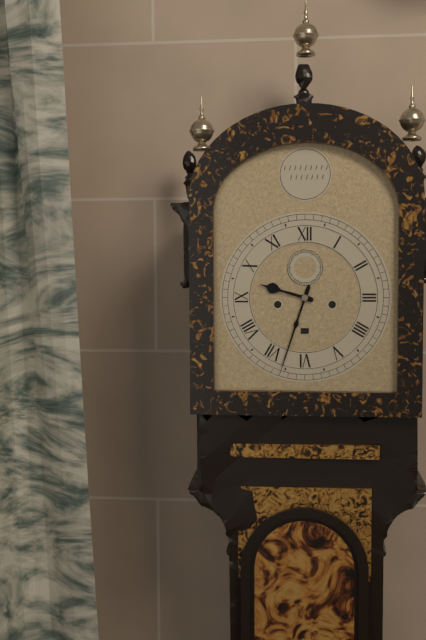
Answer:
9 h 33 min
